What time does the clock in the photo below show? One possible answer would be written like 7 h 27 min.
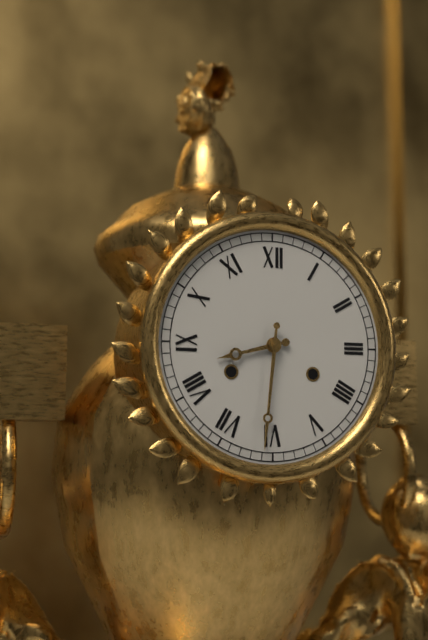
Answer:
8 h 31 min
